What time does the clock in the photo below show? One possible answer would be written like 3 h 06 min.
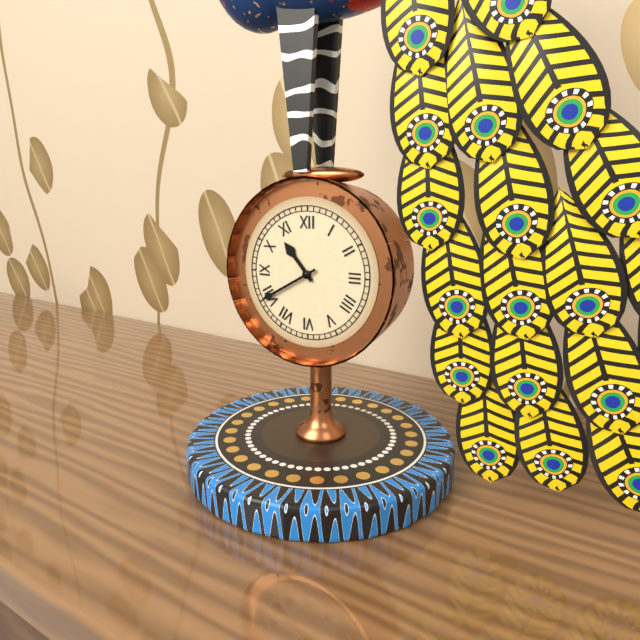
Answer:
10 h 40 min
